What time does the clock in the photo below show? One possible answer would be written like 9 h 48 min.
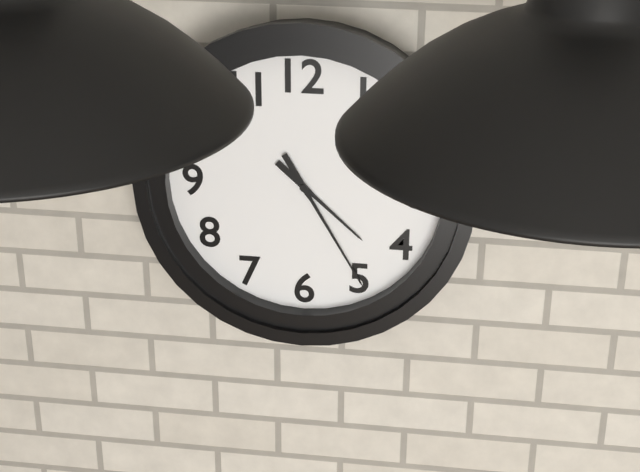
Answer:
4 h 25 min
